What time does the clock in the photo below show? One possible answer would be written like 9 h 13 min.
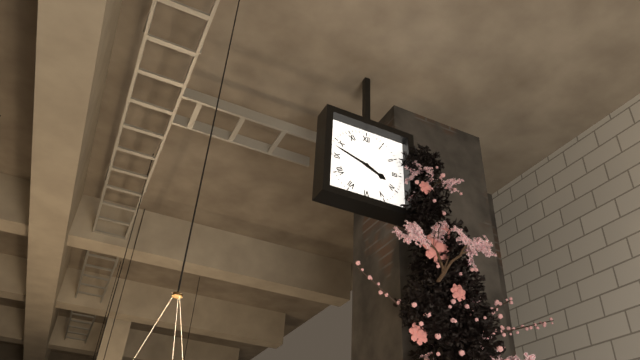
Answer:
3 h 48 min
